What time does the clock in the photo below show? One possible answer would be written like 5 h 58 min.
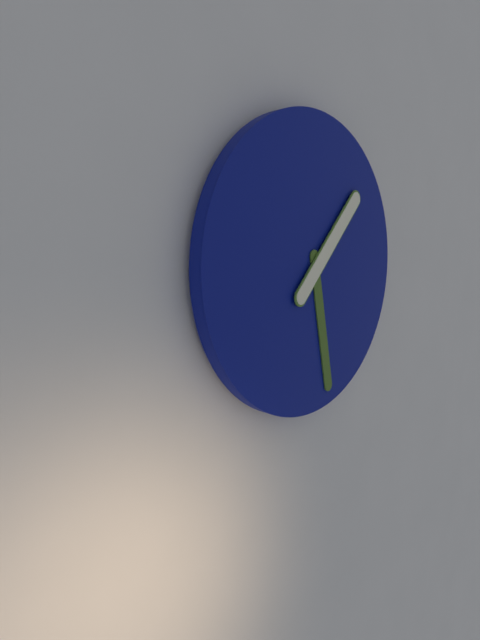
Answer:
1 h 28 min
